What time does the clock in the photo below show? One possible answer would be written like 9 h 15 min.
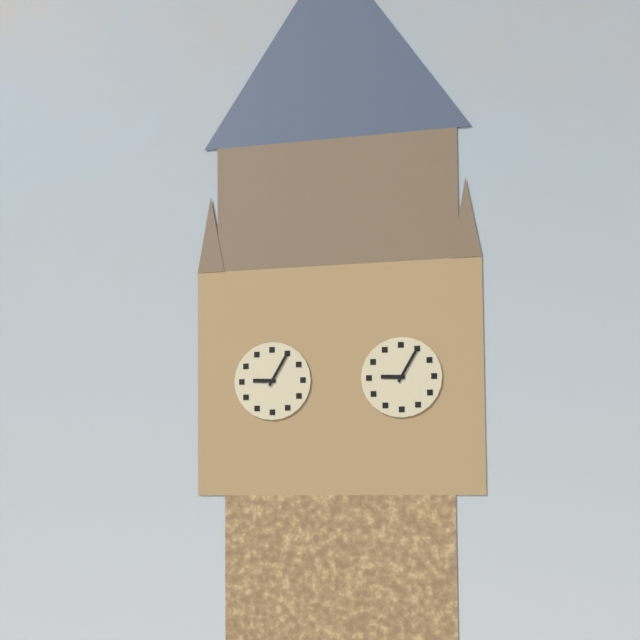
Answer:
9 h 05 min
